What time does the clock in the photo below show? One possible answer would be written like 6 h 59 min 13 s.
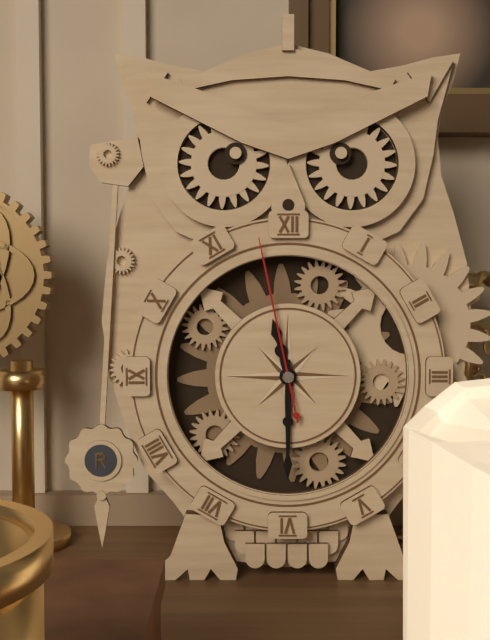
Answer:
11 h 30 min 58 s
